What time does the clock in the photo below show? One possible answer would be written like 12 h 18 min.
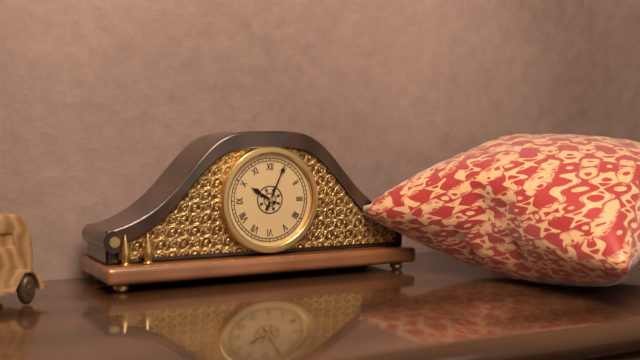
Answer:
10 h 04 min
